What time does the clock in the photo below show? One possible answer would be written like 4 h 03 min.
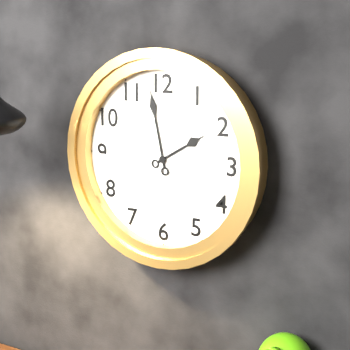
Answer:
1 h 58 min
